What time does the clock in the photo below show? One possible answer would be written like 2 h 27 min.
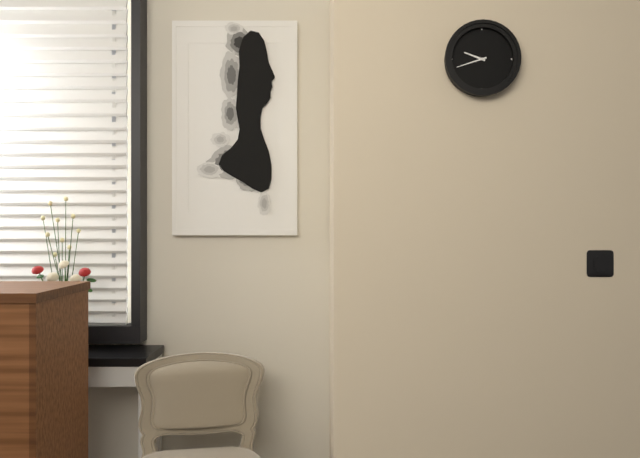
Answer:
9 h 42 min
